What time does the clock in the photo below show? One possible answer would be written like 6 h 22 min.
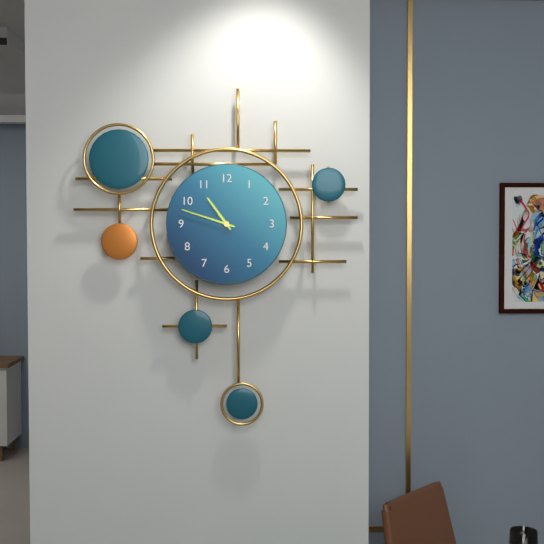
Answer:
10 h 48 min
